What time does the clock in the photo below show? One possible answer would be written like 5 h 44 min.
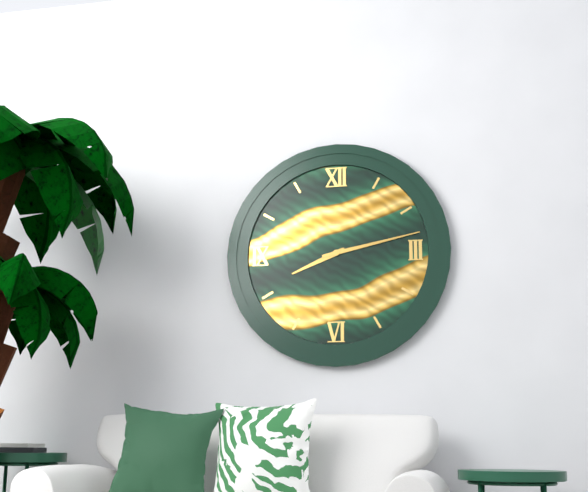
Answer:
8 h 13 min
